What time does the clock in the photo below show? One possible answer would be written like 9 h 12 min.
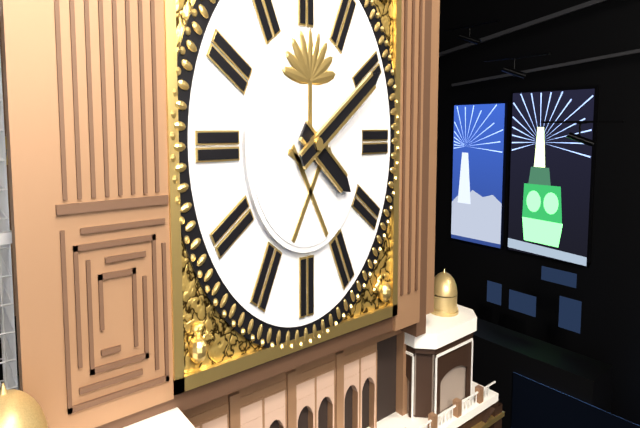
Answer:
4 h 10 min
